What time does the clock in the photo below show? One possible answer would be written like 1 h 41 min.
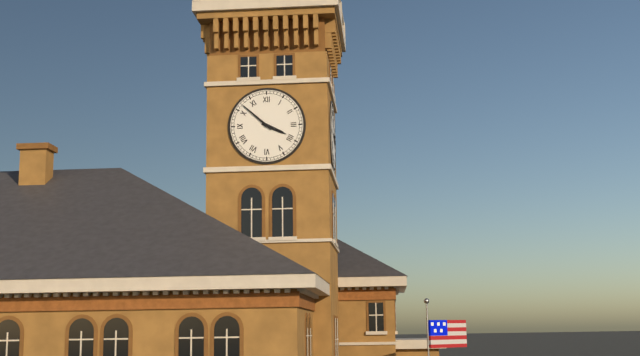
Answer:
3 h 52 min
